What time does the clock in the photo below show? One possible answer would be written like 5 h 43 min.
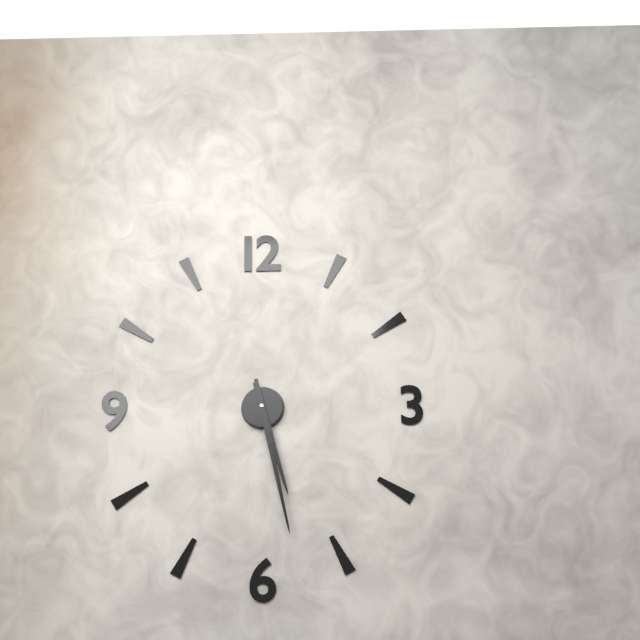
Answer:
5 h 28 min
